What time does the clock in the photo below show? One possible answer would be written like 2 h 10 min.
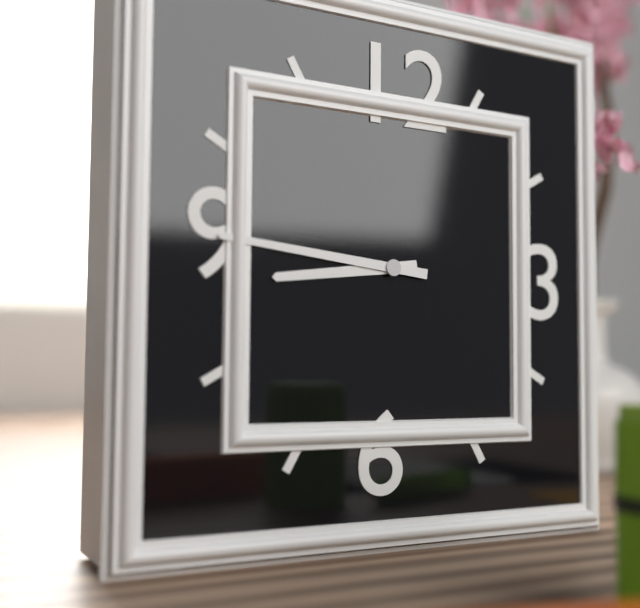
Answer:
8 h 46 min
